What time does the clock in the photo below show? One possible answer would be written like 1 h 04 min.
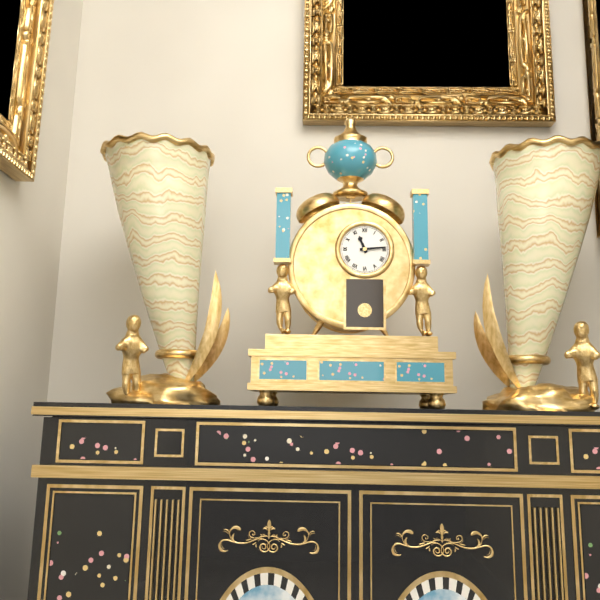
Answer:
11 h 14 min
